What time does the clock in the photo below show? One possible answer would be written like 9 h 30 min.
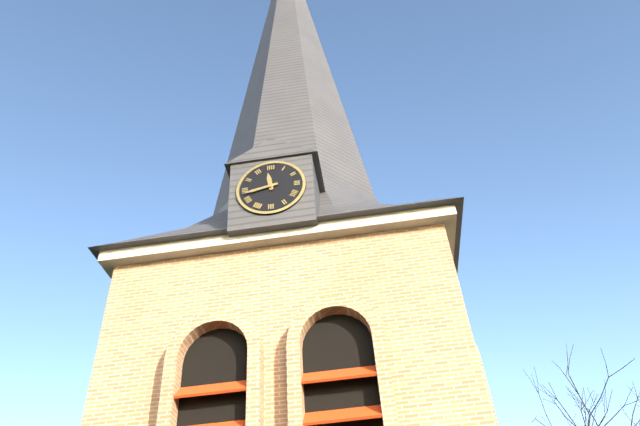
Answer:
11 h 43 min
